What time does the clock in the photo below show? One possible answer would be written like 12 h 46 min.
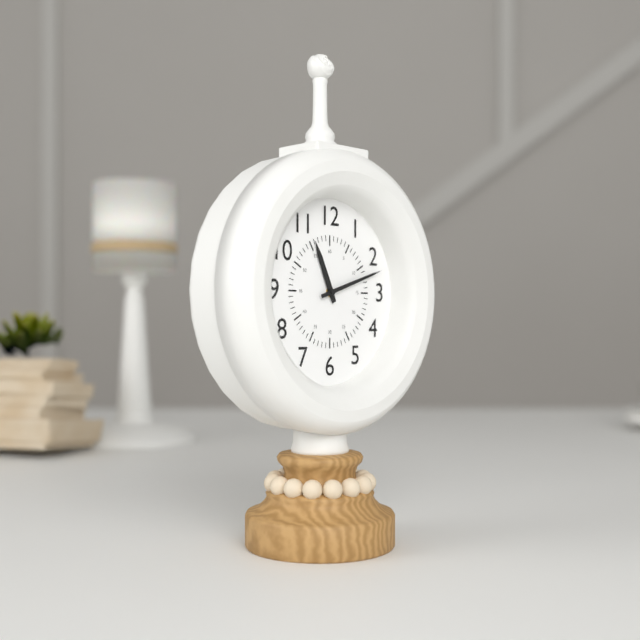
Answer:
11 h 12 min
